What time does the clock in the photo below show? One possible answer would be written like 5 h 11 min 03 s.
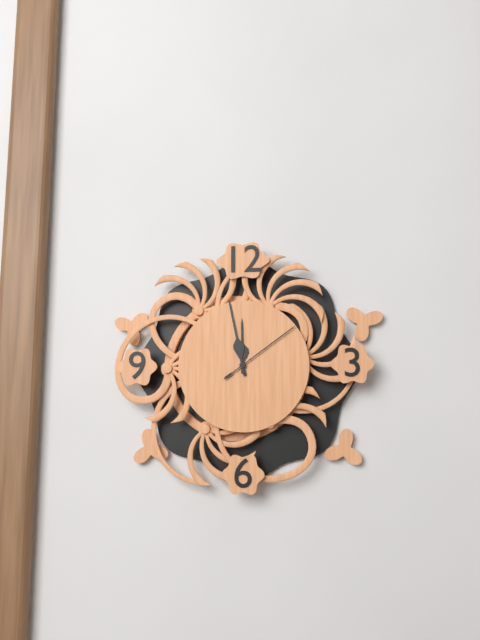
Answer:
11 h 58 min 09 s
